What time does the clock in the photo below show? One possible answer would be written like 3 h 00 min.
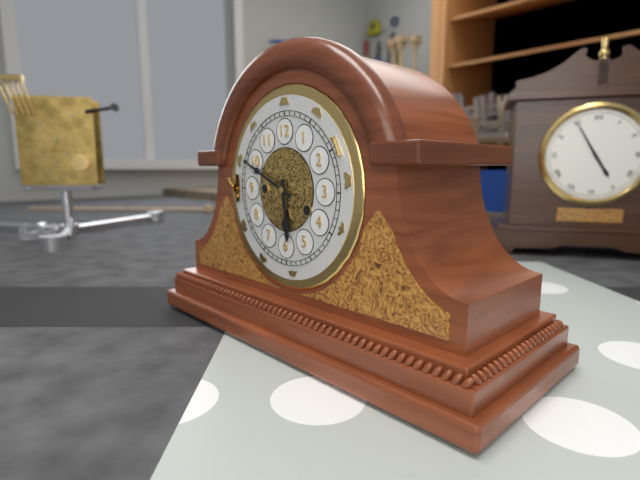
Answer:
5 h 49 min
